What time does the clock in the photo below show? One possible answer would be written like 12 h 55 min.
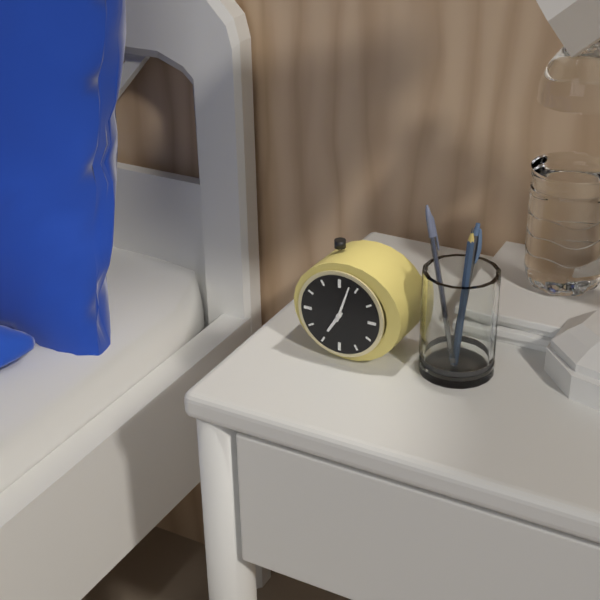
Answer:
7 h 03 min
